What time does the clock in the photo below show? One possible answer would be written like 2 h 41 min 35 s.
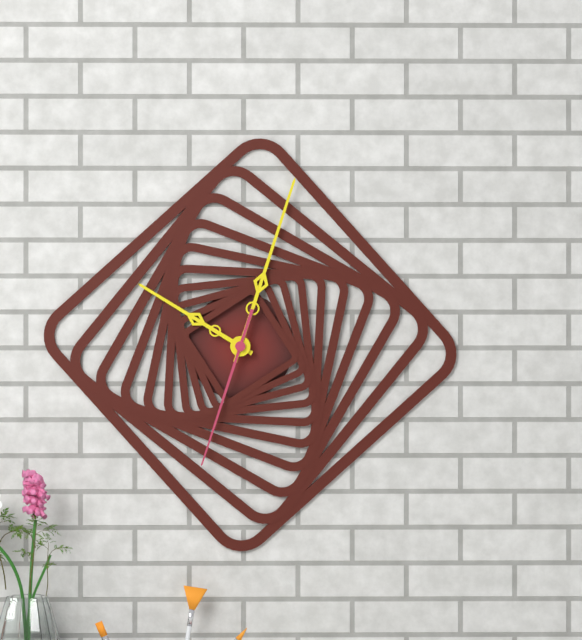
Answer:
10 h 03 min 33 s
